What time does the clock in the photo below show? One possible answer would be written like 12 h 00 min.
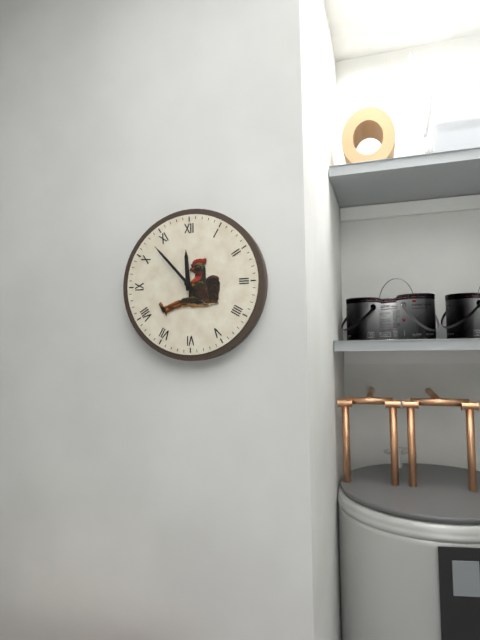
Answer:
11 h 53 min
